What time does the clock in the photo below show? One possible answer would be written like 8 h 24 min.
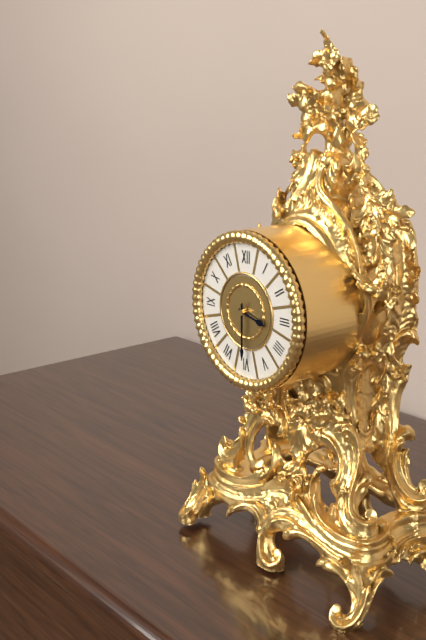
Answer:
3 h 30 min
